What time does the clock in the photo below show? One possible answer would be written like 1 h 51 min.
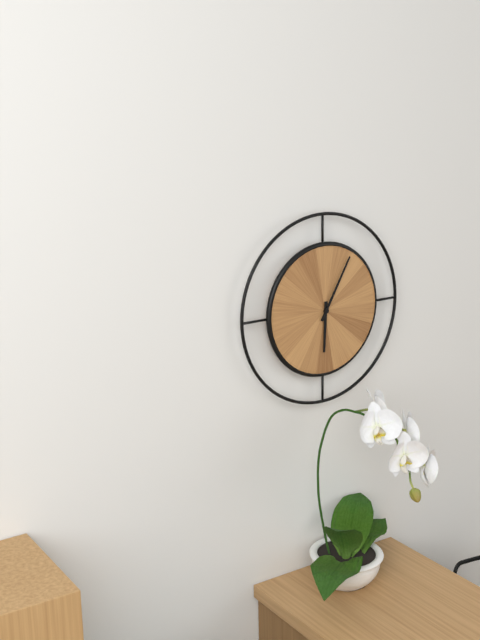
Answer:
6 h 05 min
